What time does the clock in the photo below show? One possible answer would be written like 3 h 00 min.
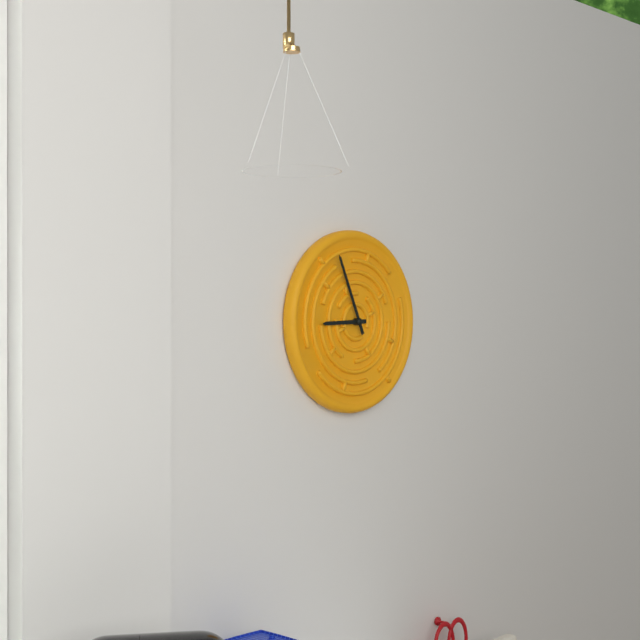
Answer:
8 h 56 min
